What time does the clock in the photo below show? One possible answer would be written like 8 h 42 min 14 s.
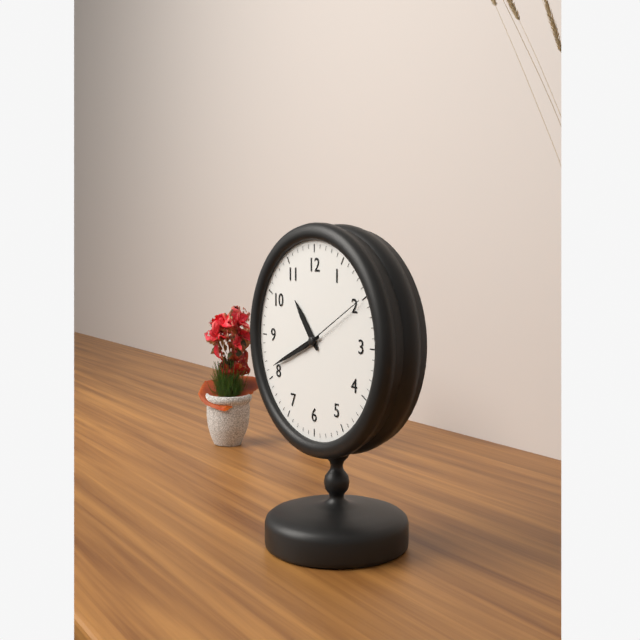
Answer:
10 h 41 min 10 s
